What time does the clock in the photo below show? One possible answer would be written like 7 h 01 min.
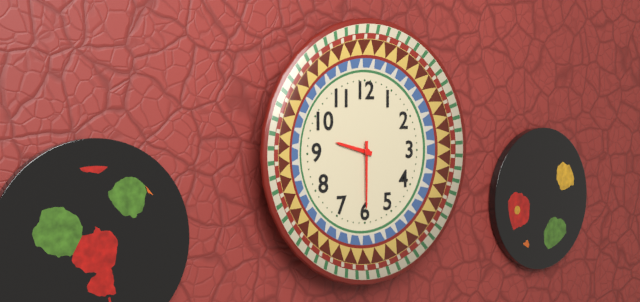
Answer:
9 h 30 min
